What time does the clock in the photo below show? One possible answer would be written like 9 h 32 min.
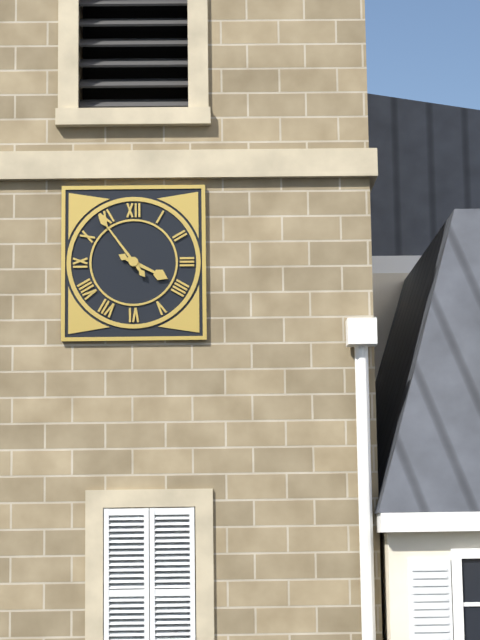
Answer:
3 h 54 min
